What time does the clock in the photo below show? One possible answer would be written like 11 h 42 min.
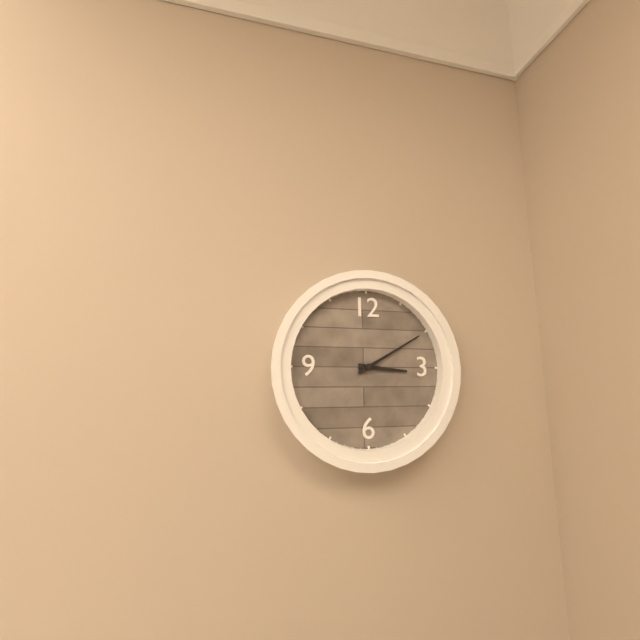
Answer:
3 h 10 min
